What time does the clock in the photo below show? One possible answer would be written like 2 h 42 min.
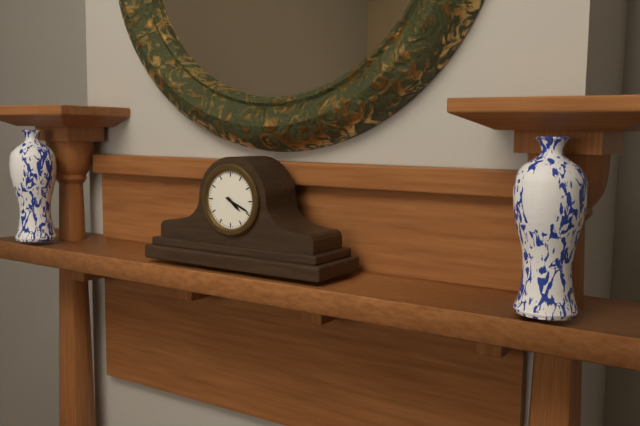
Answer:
4 h 19 min
